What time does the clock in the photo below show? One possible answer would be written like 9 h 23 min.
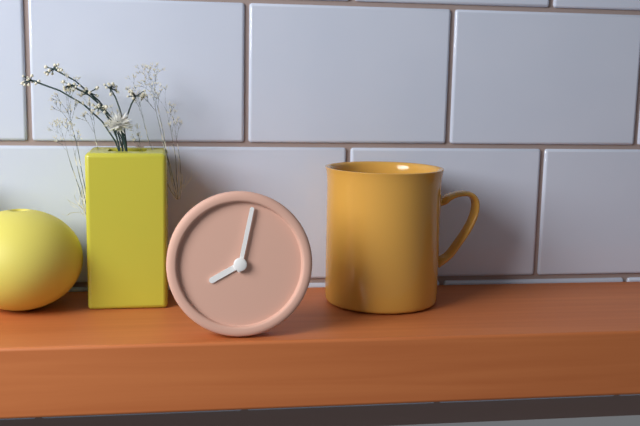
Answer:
8 h 02 min
